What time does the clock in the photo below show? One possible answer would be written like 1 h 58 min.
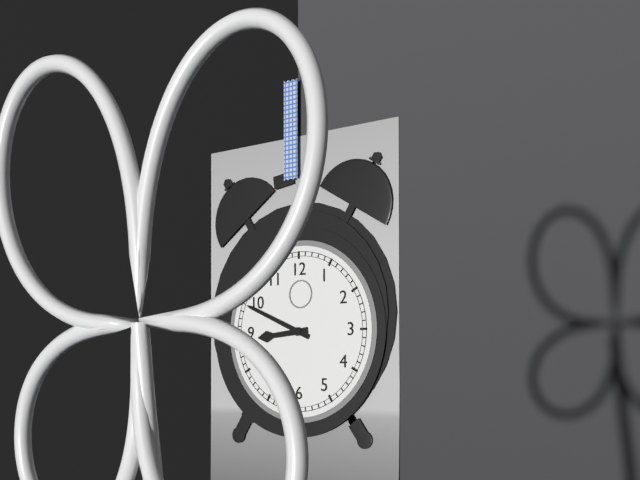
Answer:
8 h 49 min
